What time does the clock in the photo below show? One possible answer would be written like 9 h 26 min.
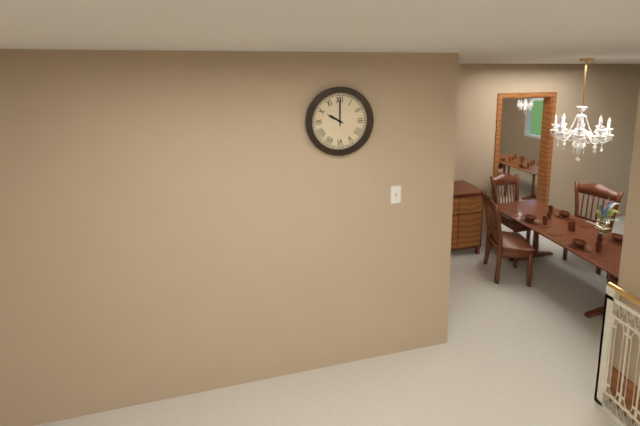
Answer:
10 h 00 min
